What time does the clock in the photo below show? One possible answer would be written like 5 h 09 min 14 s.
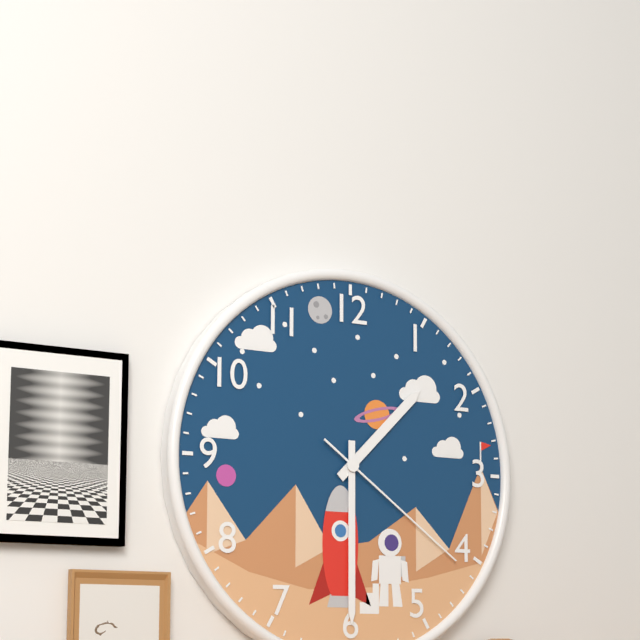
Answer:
1 h 30 min 21 s
